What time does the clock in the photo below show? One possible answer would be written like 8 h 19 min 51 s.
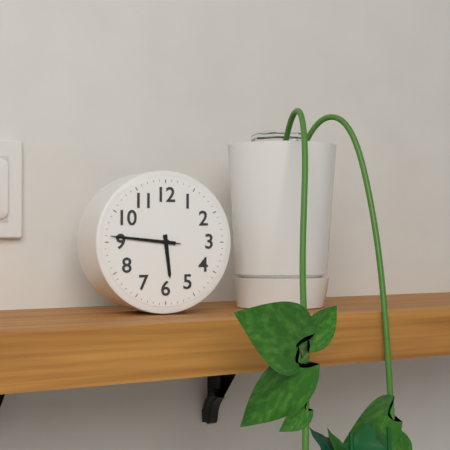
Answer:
5 h 46 min 46 s
